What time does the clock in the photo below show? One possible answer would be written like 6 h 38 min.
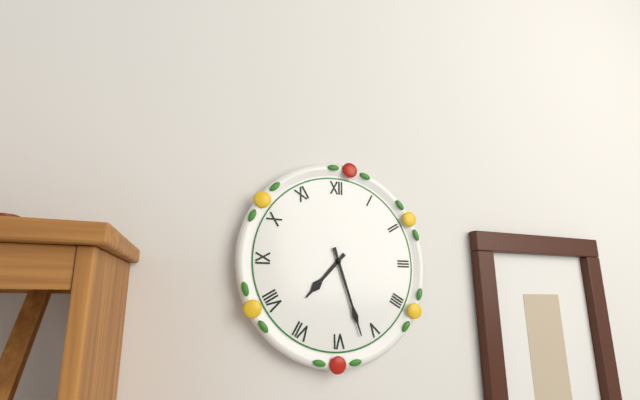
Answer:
7 h 27 min
